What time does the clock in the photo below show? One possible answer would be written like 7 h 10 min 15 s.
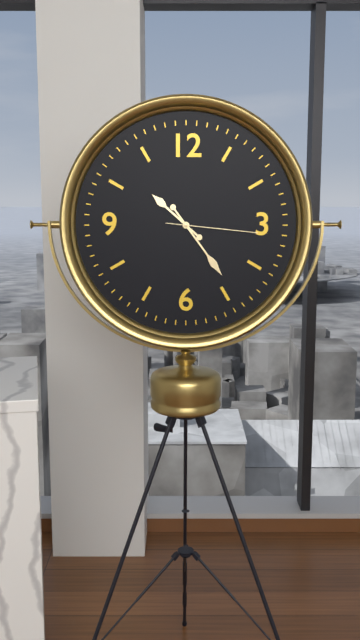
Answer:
10 h 24 min 16 s
